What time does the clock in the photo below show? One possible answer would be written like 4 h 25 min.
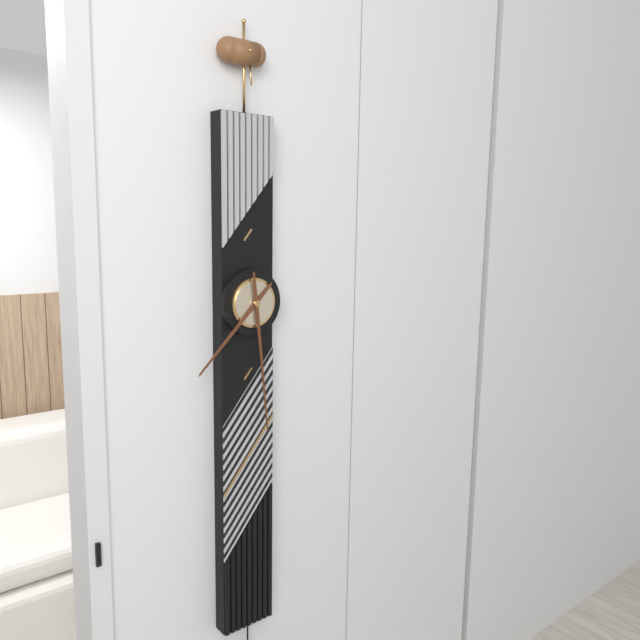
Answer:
7 h 29 min
